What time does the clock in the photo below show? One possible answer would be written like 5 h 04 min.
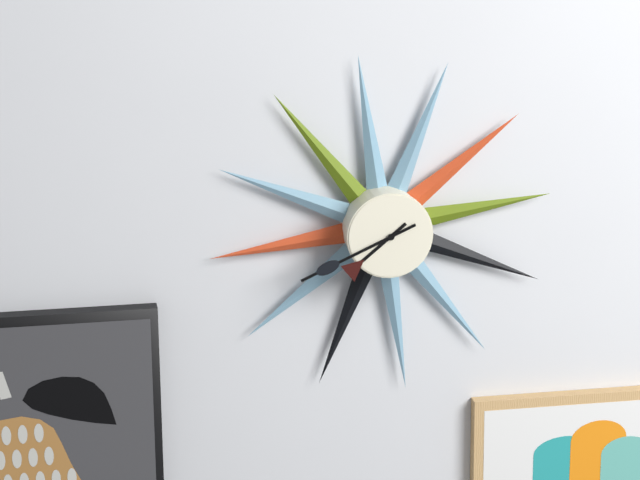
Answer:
7 h 41 min
